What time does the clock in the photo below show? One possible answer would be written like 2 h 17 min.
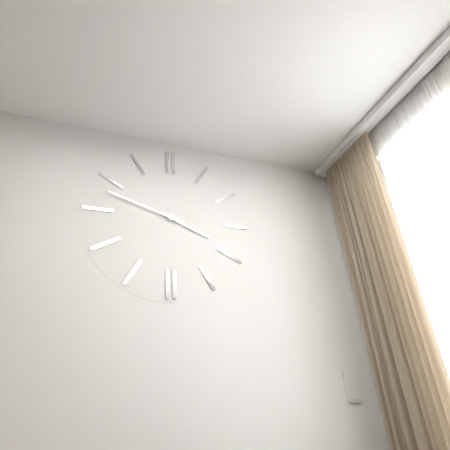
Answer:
3 h 48 min
